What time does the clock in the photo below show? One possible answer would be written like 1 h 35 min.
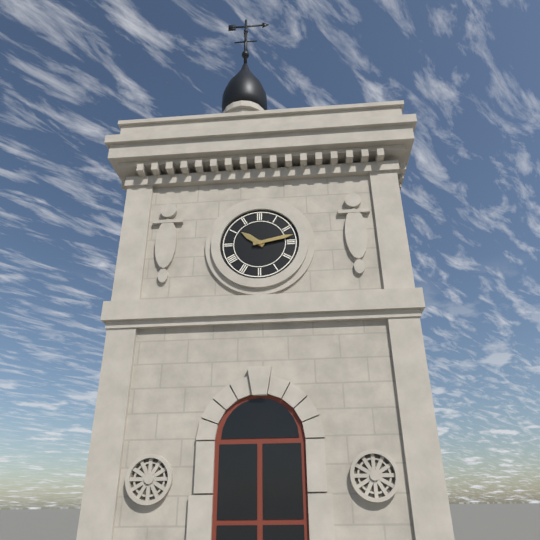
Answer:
10 h 13 min
